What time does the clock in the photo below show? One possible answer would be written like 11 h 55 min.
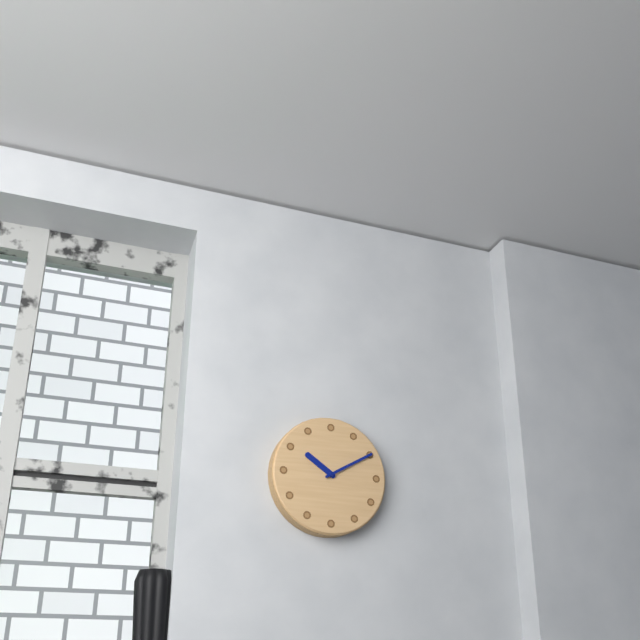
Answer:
10 h 10 min
